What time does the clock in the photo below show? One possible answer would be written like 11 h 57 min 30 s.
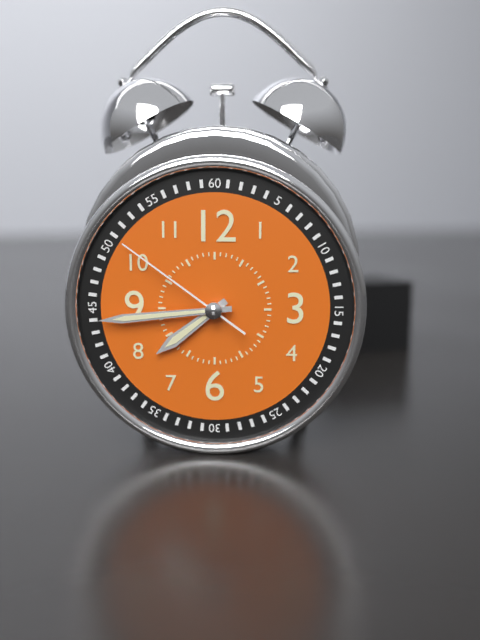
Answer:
7 h 44 min 51 s
